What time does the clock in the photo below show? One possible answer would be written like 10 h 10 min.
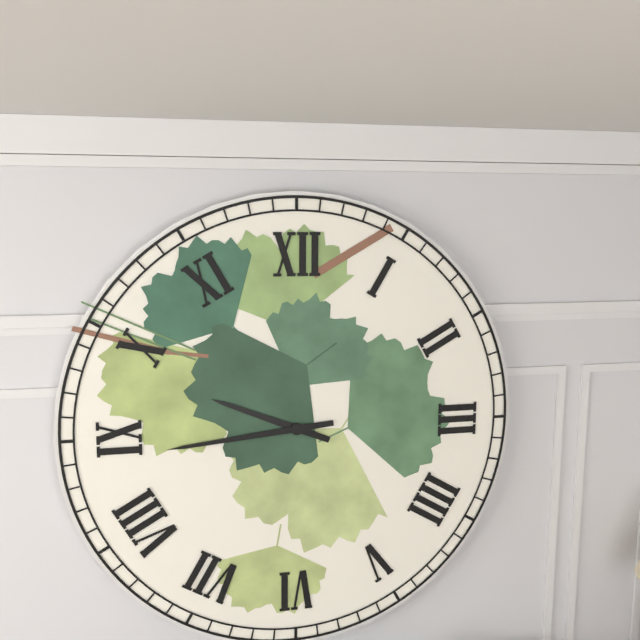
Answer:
9 h 44 min
